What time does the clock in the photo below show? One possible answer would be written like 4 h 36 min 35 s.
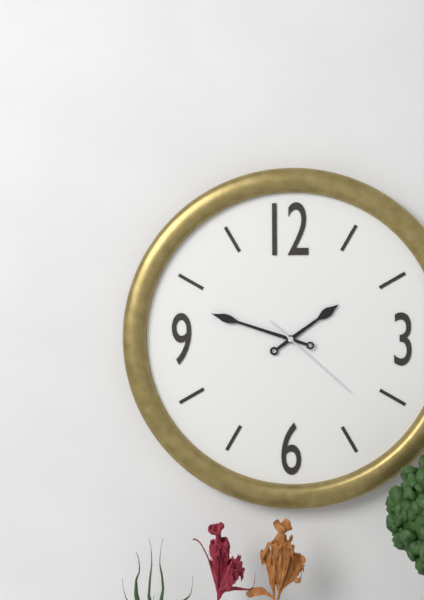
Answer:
1 h 48 min 22 s
